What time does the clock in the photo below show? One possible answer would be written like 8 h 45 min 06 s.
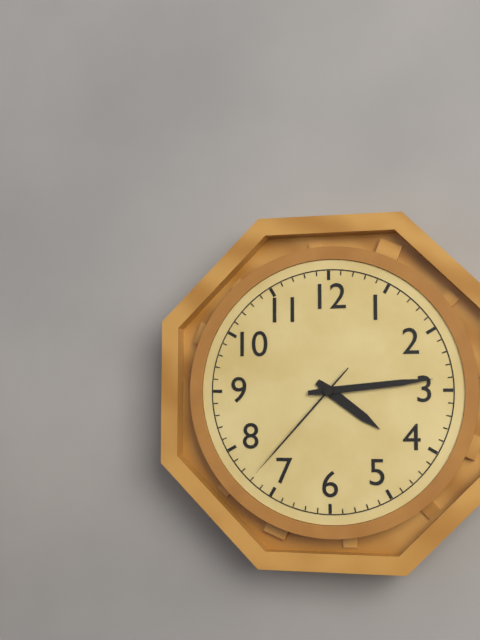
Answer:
4 h 14 min 37 s
